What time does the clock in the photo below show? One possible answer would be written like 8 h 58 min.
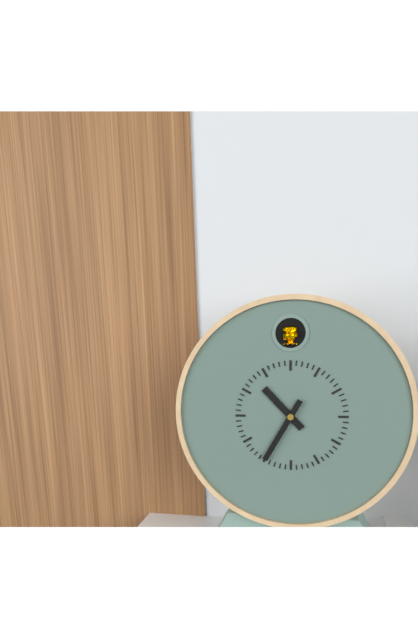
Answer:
10 h 35 min
